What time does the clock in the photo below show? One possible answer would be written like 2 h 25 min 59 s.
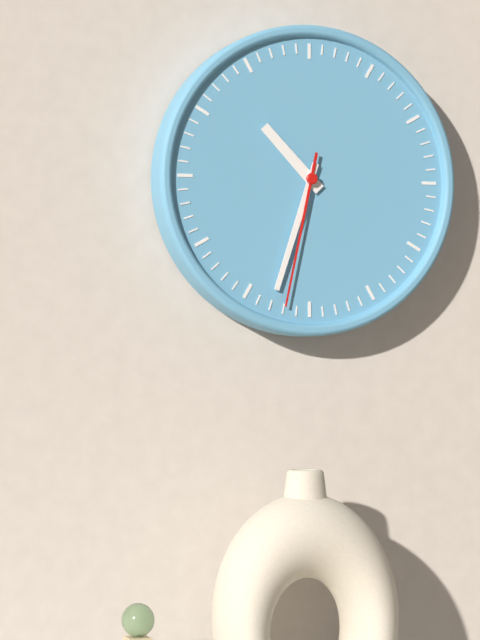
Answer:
10 h 33 min 32 s
